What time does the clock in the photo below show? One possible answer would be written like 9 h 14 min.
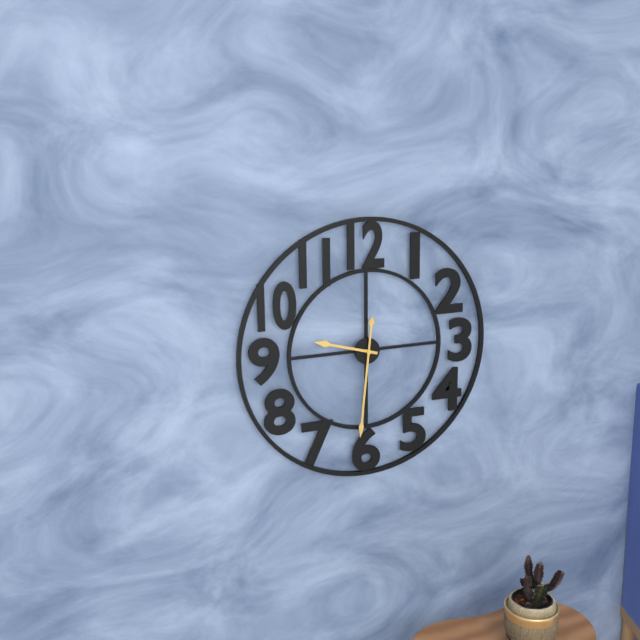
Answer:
9 h 31 min
